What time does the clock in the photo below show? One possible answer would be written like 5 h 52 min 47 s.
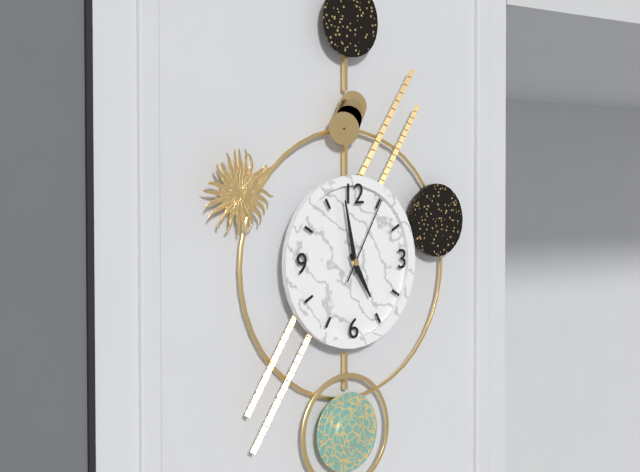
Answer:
4 h 58 min 05 s
